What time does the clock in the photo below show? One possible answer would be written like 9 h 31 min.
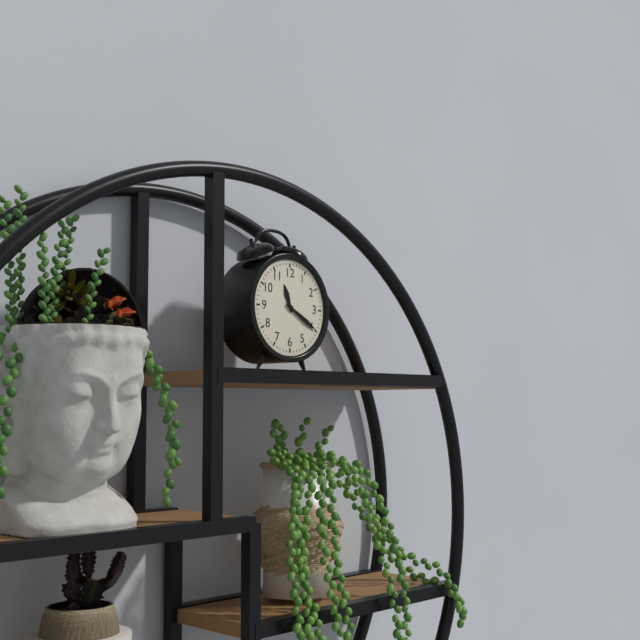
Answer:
11 h 20 min
